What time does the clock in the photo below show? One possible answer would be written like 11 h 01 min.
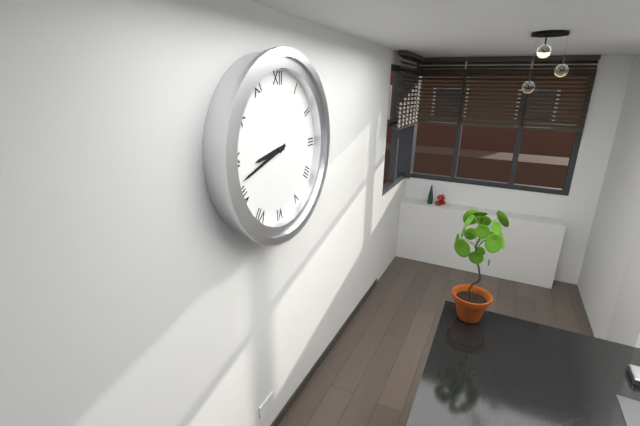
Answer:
8 h 42 min
